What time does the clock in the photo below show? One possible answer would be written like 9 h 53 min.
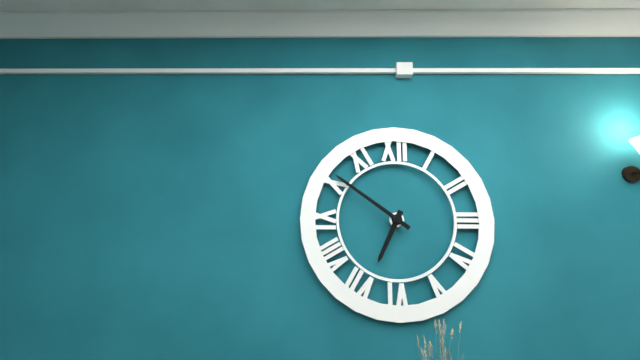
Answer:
6 h 51 min
